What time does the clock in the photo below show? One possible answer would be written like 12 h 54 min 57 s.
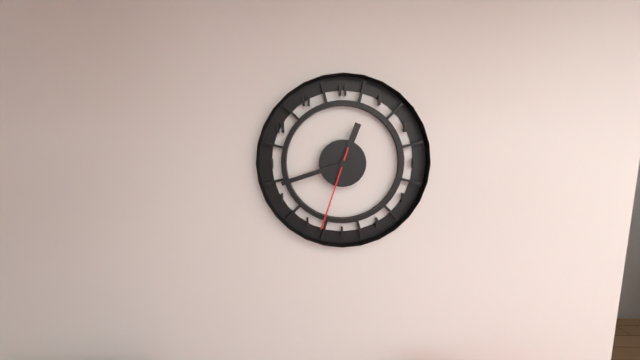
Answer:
12 h 42 min 33 s
